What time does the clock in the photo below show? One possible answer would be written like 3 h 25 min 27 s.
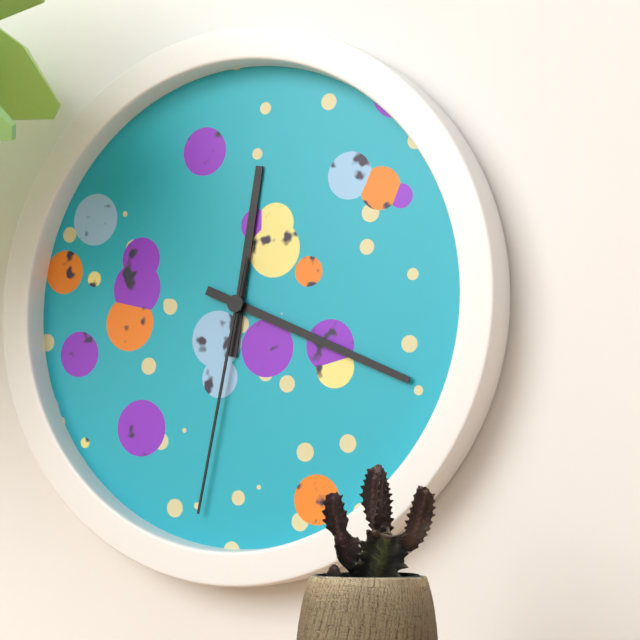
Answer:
12 h 19 min 32 s
